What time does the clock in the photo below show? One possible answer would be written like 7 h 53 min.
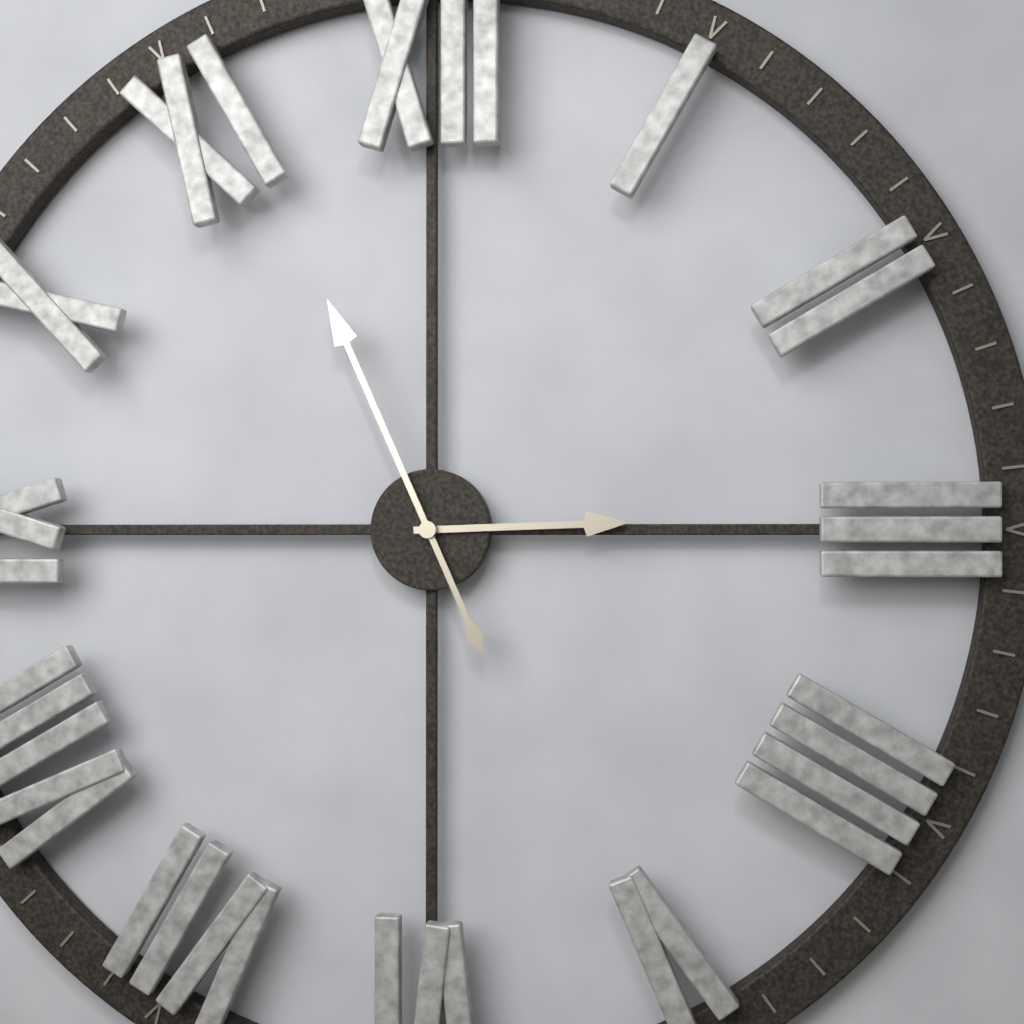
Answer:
2 h 56 min
